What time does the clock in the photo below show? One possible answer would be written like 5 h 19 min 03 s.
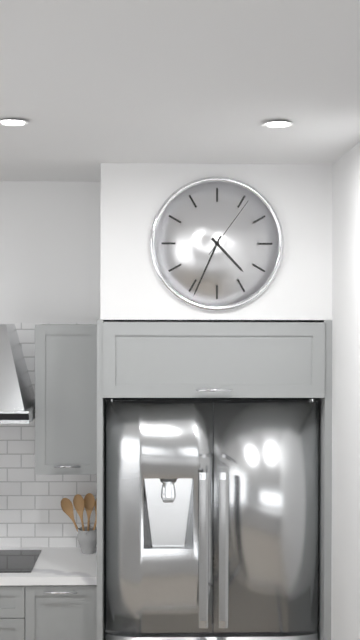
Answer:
4 h 34 min 06 s
